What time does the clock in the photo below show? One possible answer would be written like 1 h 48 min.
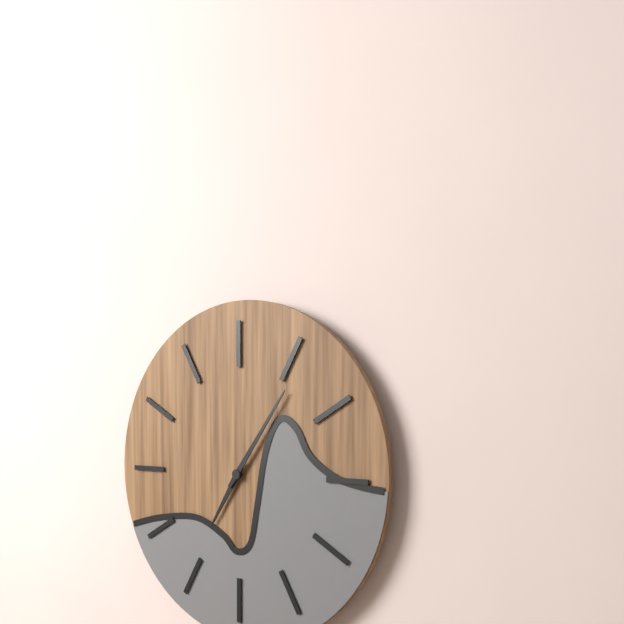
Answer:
7 h 06 min
